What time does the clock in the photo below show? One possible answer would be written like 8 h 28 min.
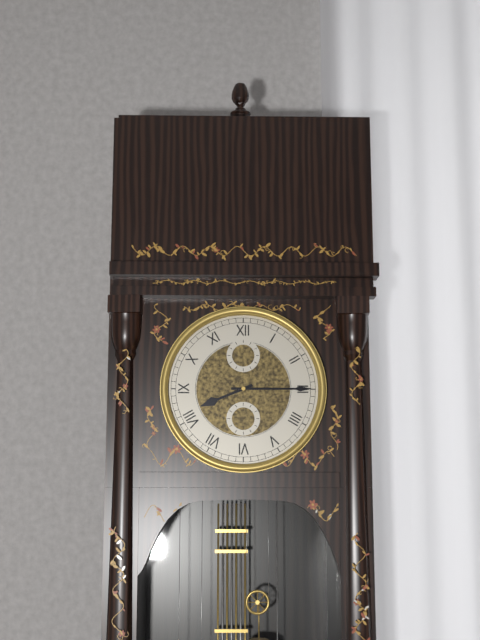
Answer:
8 h 15 min
